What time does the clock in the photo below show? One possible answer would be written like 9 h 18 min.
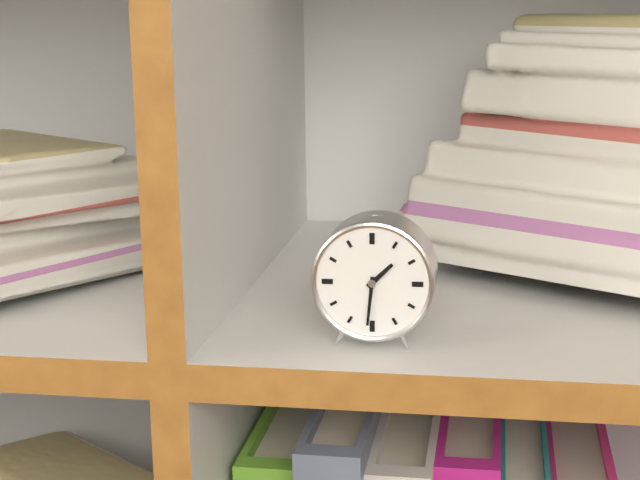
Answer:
1 h 31 min
